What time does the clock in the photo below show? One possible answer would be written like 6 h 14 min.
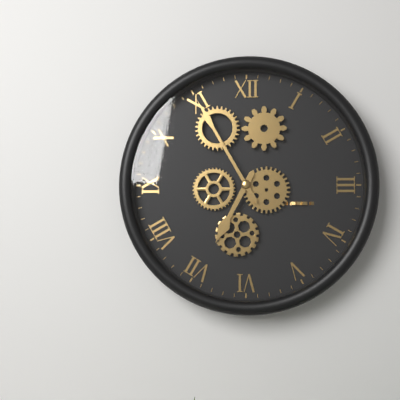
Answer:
6 h 55 min
